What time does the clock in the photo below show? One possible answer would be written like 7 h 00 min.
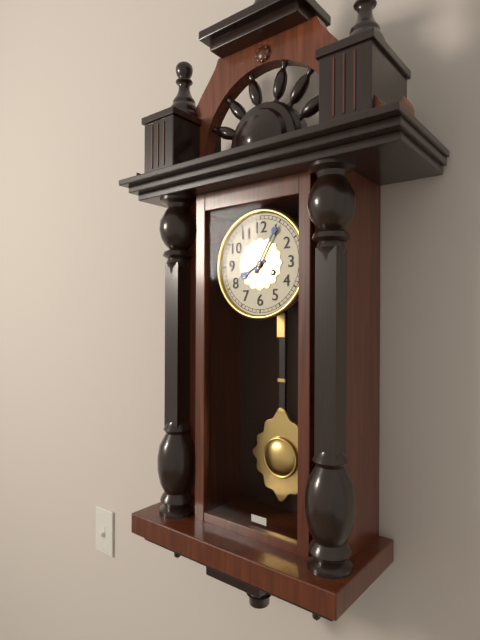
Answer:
8 h 05 min
